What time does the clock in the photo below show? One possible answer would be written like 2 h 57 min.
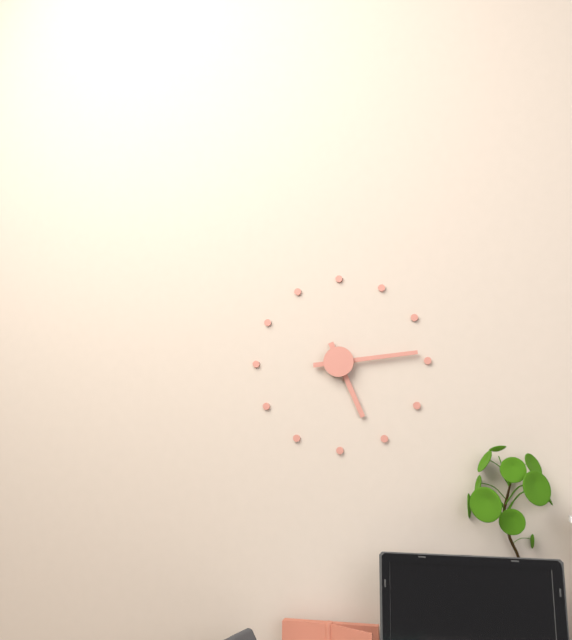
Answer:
5 h 14 min
